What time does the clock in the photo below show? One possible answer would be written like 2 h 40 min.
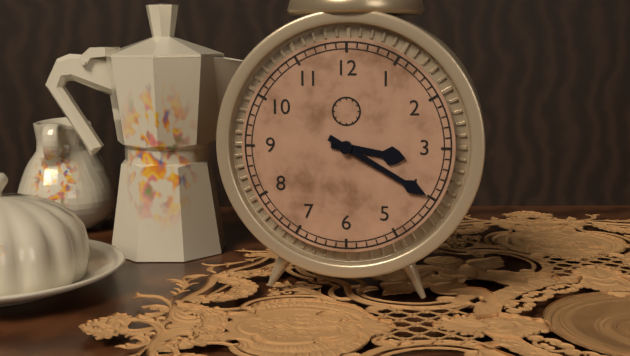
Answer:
3 h 20 min
